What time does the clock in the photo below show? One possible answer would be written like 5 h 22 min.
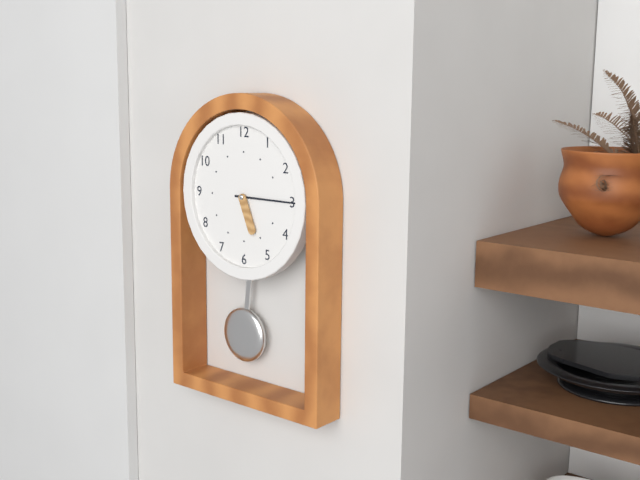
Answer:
5 h 15 min
